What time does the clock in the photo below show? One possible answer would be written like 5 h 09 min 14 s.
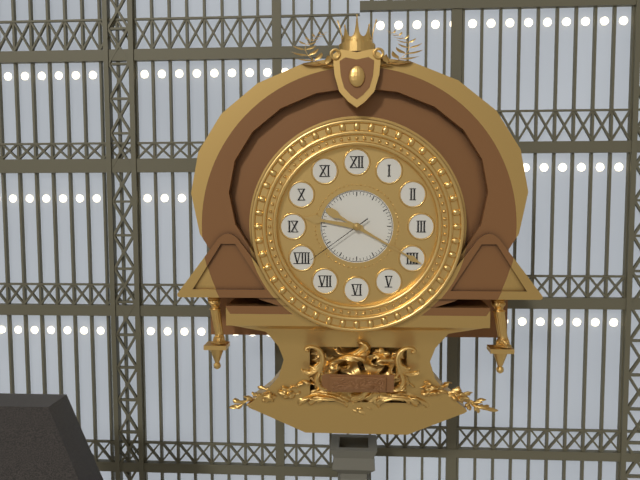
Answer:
9 h 20 min 39 s
